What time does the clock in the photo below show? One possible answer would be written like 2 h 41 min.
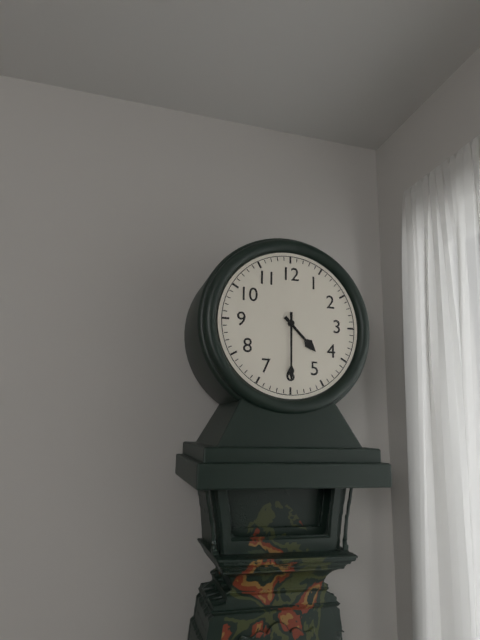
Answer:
4 h 30 min
